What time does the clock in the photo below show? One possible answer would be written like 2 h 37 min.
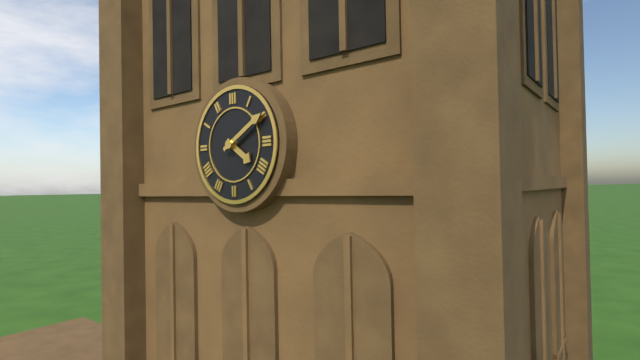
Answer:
4 h 10 min
